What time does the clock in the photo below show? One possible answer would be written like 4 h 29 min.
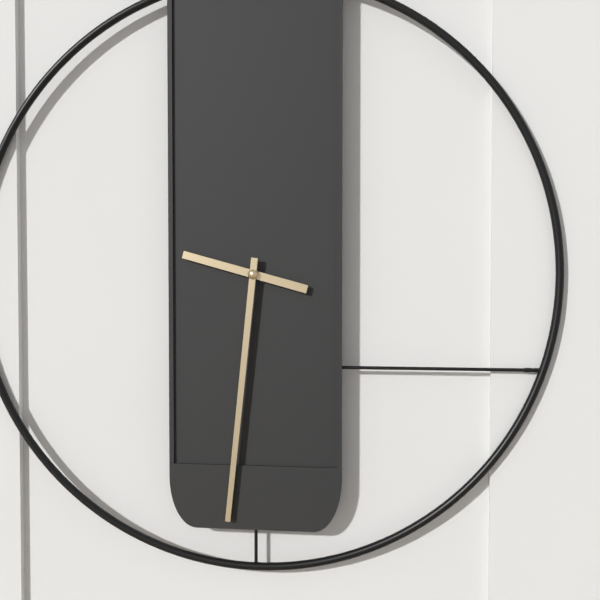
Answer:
9 h 31 min
